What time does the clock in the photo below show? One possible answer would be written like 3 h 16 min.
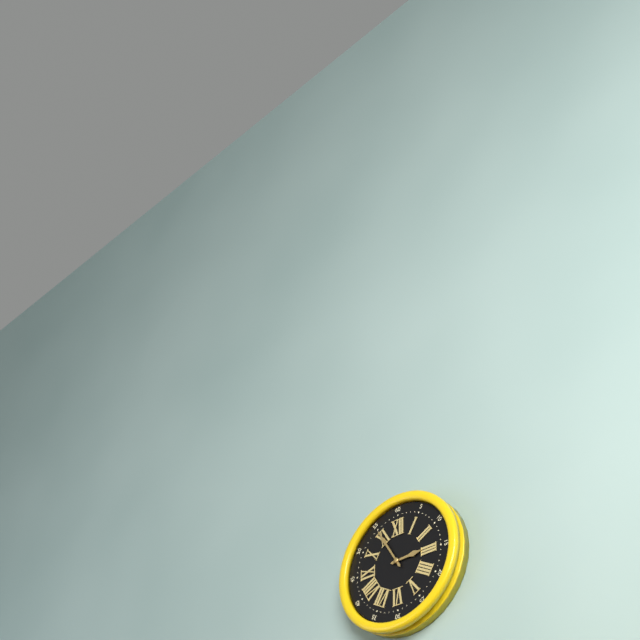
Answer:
2 h 55 min
